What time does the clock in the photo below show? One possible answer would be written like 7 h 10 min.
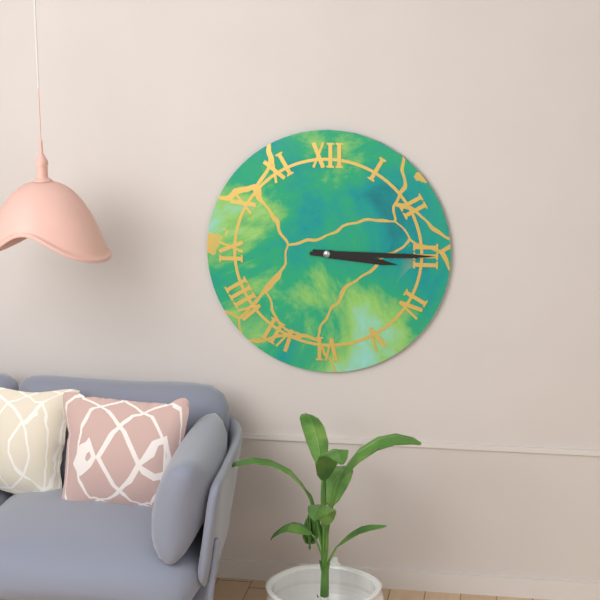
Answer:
3 h 15 min
